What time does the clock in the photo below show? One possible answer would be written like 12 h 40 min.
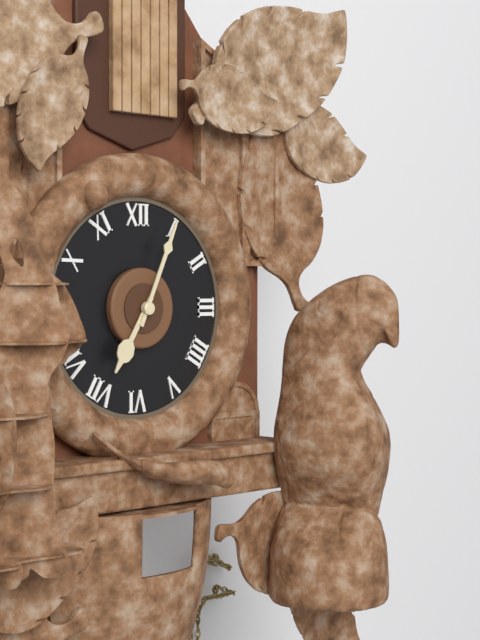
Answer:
7 h 04 min
